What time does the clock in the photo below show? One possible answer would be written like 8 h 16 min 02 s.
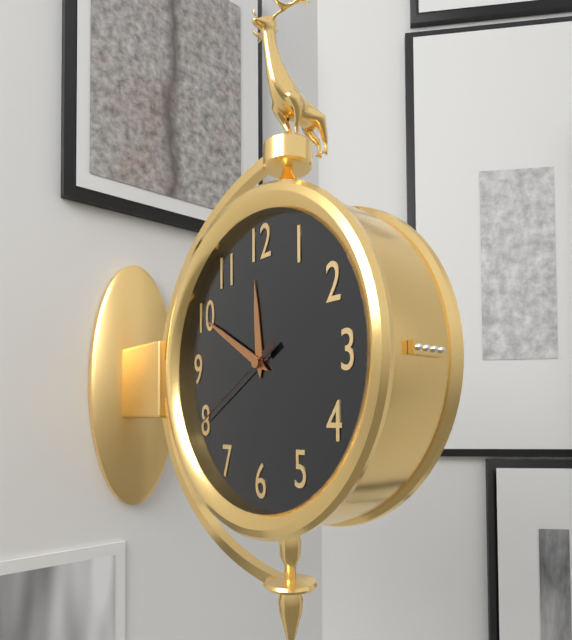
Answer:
11 h 50 min 40 s
